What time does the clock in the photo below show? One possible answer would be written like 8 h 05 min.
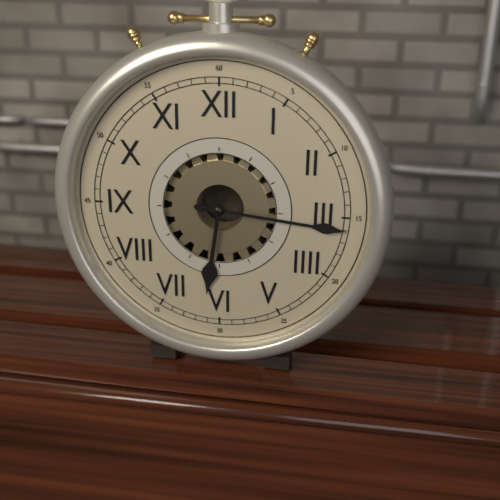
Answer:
6 h 16 min
